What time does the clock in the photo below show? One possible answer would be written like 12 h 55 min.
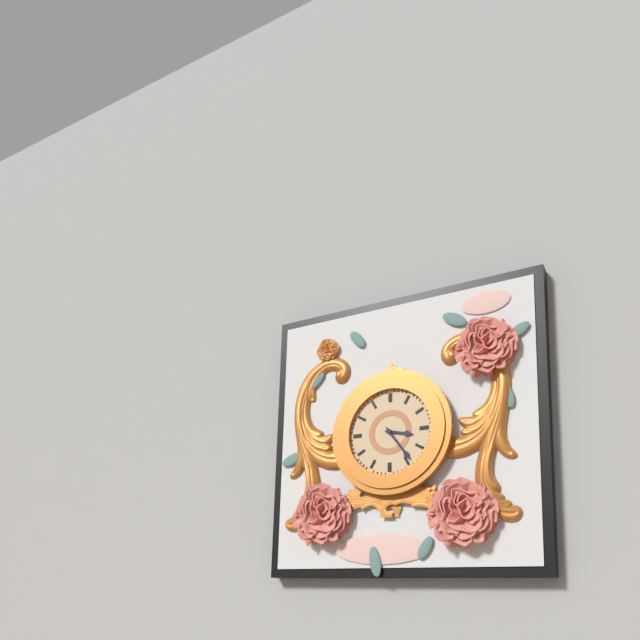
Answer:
3 h 24 min
